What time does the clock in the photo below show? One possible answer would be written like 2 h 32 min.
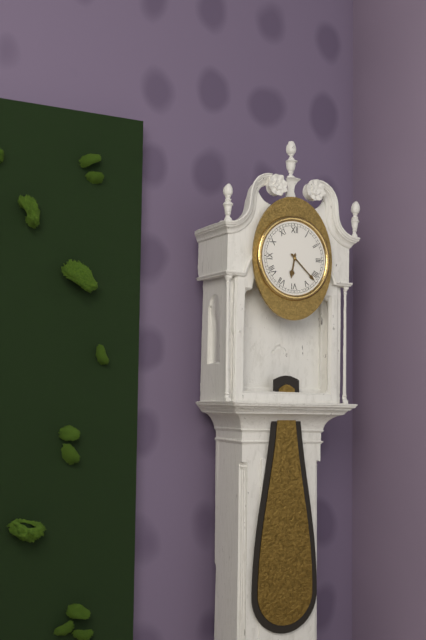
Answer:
6 h 22 min
